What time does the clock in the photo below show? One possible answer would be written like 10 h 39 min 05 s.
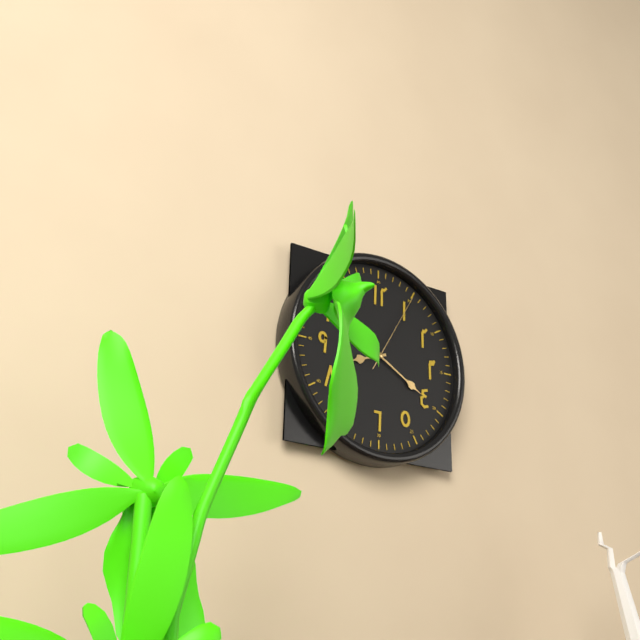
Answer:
8 h 20 min 05 s
